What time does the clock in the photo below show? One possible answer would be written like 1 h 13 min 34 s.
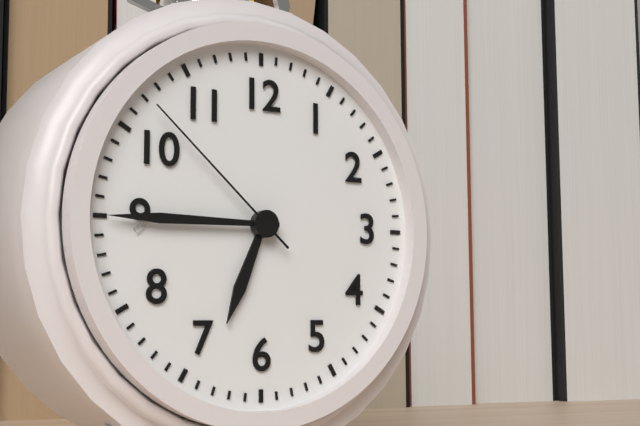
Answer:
6 h 45 min 52 s
